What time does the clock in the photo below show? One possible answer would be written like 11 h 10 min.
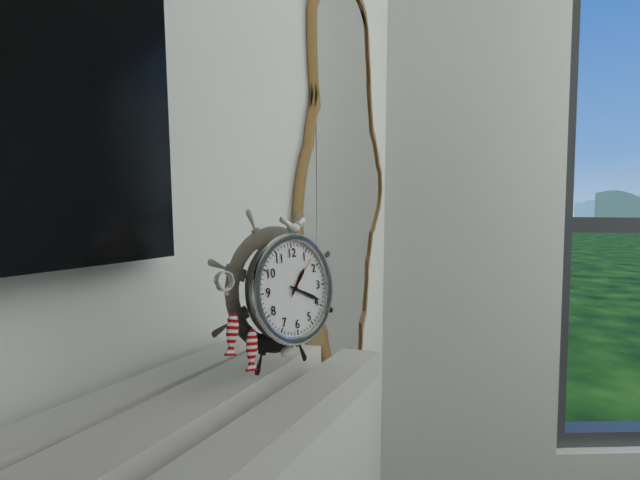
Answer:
1 h 19 min
